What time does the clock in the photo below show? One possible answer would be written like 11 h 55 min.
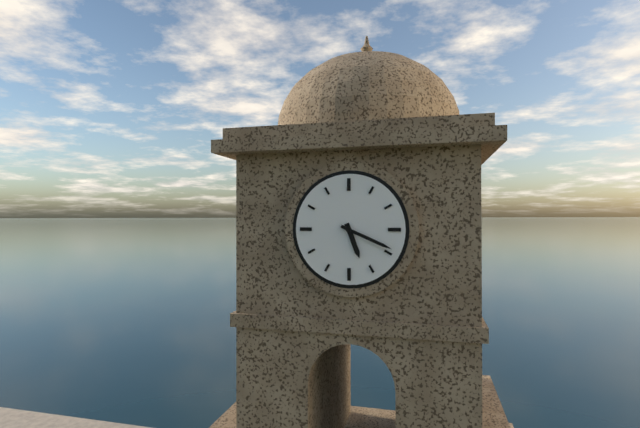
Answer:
5 h 19 min
